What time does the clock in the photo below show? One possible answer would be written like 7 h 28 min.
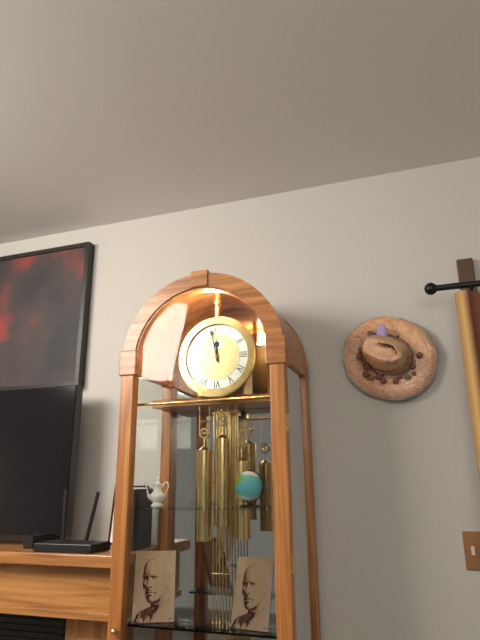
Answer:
11 h 58 min
